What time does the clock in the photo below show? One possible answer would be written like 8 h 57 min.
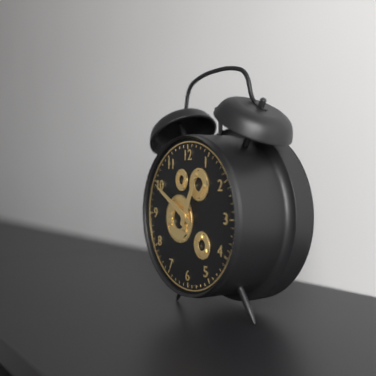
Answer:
12 h 50 min
